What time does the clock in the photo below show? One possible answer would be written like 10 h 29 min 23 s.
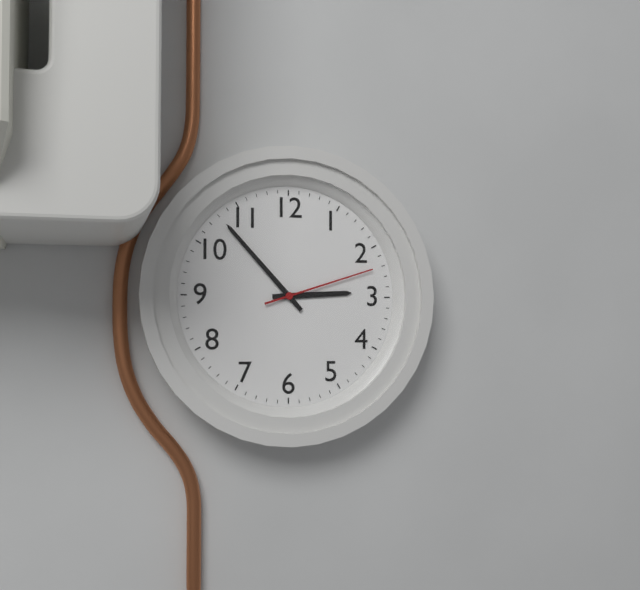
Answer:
2 h 53 min 12 s
